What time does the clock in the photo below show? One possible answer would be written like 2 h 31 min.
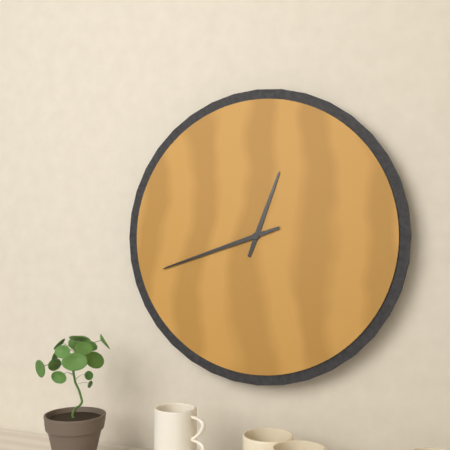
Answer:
12 h 42 min
